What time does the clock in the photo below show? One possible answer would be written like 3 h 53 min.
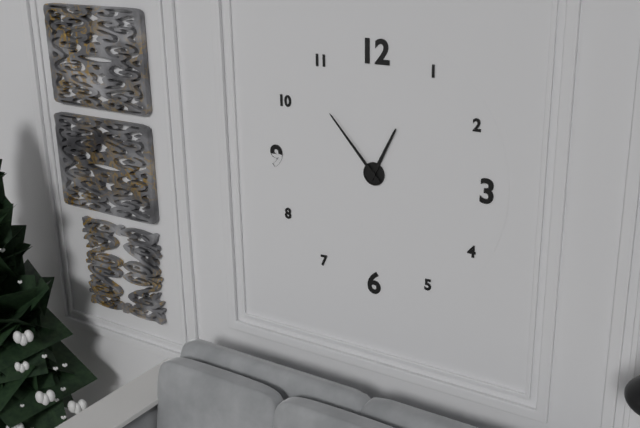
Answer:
12 h 53 min
